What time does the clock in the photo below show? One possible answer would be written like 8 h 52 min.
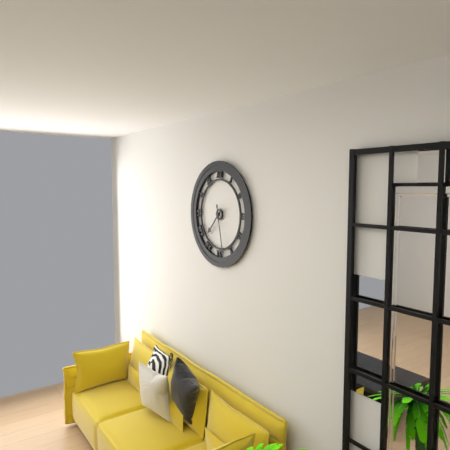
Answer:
7 h 28 min
